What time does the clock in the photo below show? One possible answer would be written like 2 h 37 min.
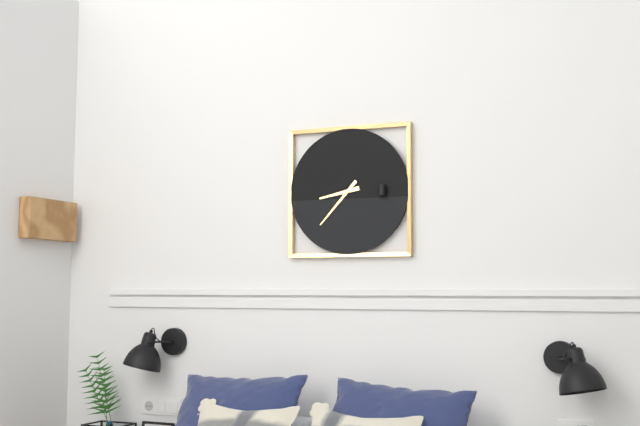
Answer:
8 h 37 min
